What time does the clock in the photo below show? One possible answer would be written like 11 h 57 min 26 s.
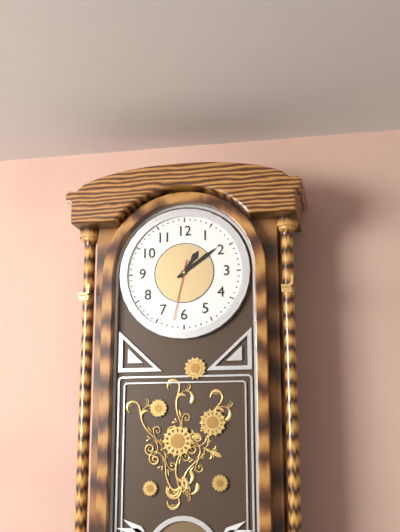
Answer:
1 h 09 min 32 s
